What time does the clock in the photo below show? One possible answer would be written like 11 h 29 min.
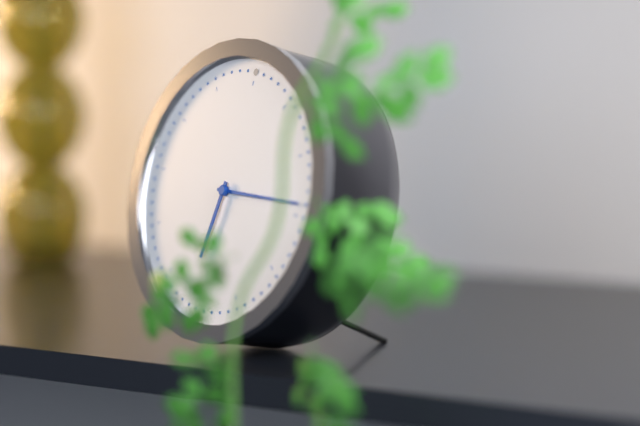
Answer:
6 h 14 min
